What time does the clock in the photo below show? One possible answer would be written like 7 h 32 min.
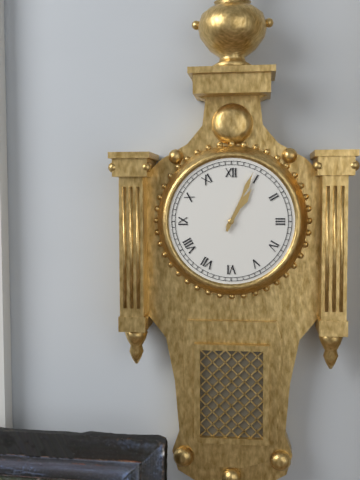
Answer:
1 h 04 min
